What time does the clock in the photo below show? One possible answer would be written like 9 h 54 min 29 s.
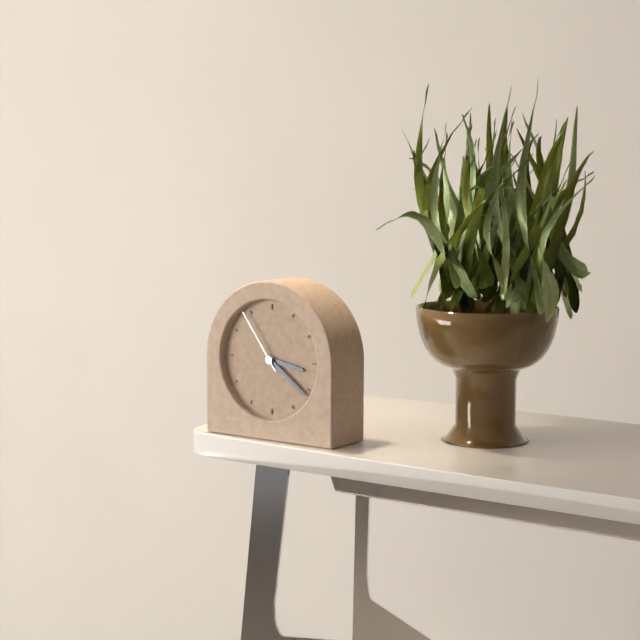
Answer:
3 h 21 min 54 s
